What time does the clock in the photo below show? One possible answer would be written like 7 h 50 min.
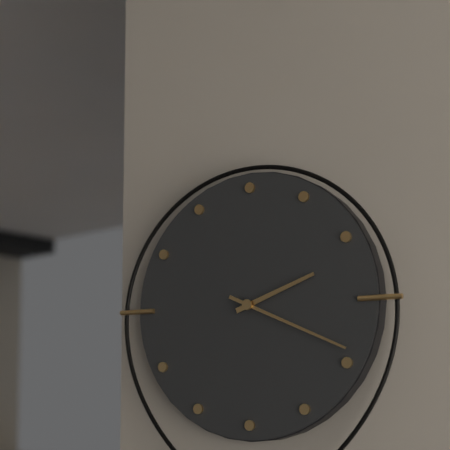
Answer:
2 h 19 min
